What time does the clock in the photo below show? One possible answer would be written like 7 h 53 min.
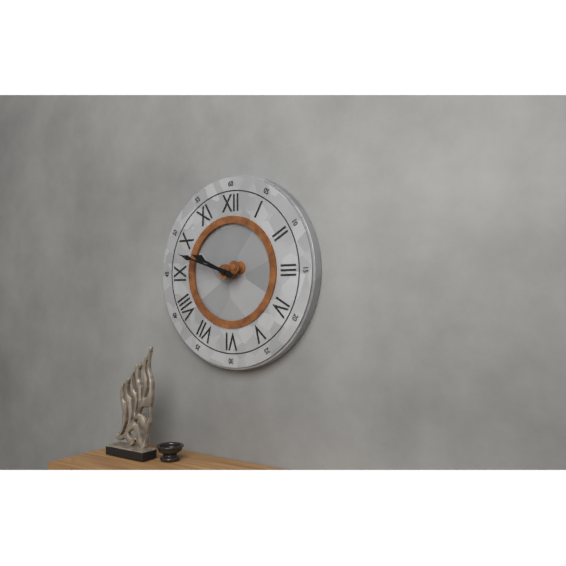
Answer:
9 h 48 min
